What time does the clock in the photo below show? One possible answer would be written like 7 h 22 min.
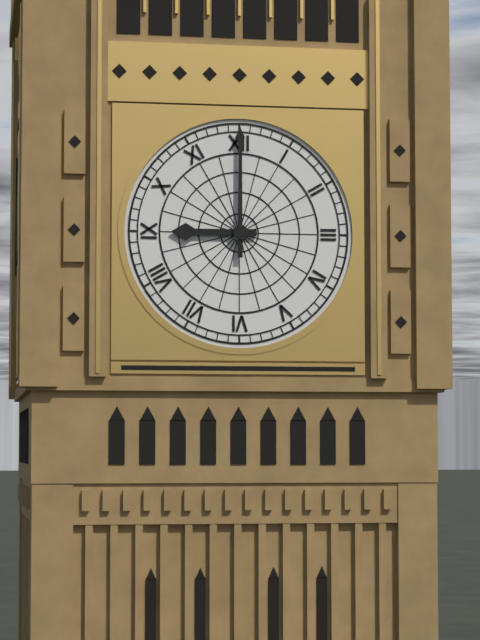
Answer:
9 h 00 min
